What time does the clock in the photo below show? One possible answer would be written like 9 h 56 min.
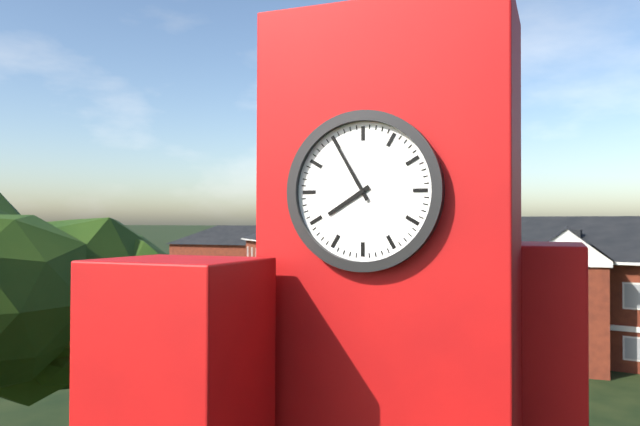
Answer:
7 h 55 min
